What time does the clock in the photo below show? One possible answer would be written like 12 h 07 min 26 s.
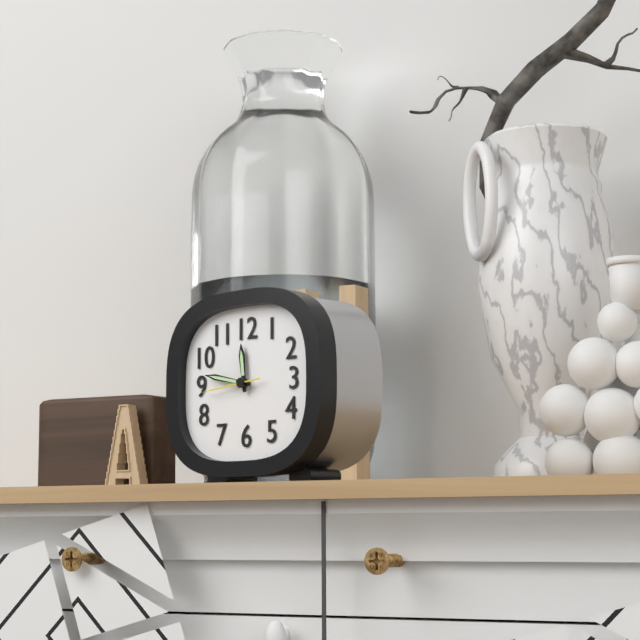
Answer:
11 h 47 min 44 s
